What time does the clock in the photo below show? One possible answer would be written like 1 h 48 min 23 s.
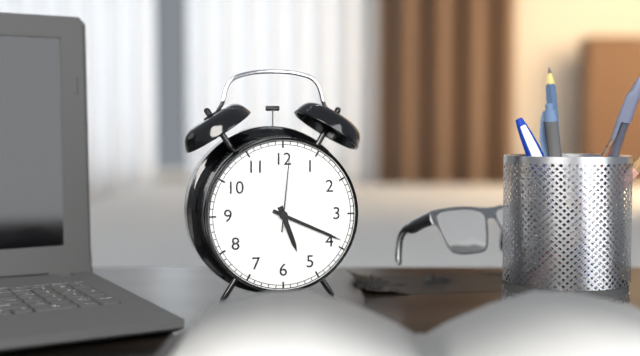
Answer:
5 h 19 min 01 s
